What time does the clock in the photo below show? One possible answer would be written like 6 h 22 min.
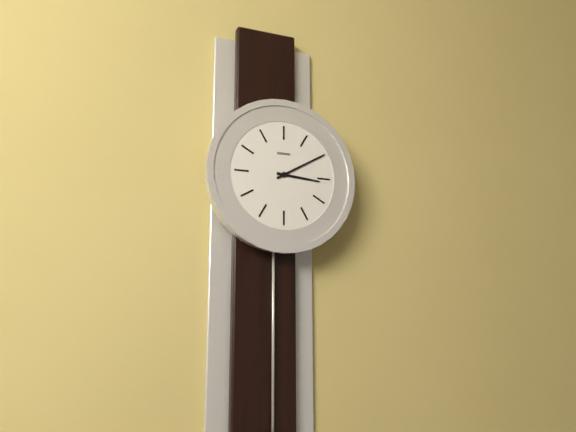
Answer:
3 h 10 min
